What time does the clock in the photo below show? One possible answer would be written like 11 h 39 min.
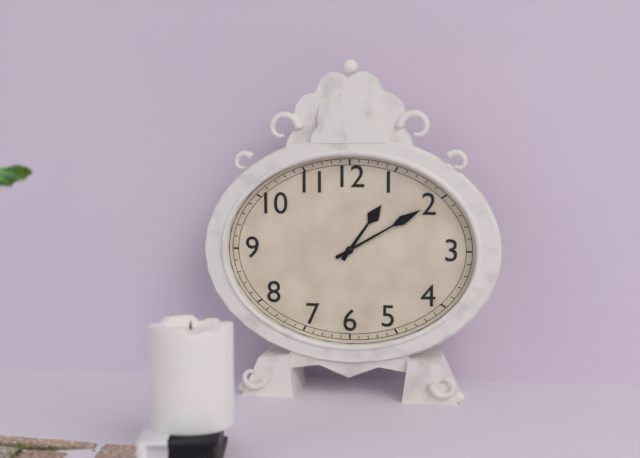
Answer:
1 h 10 min
